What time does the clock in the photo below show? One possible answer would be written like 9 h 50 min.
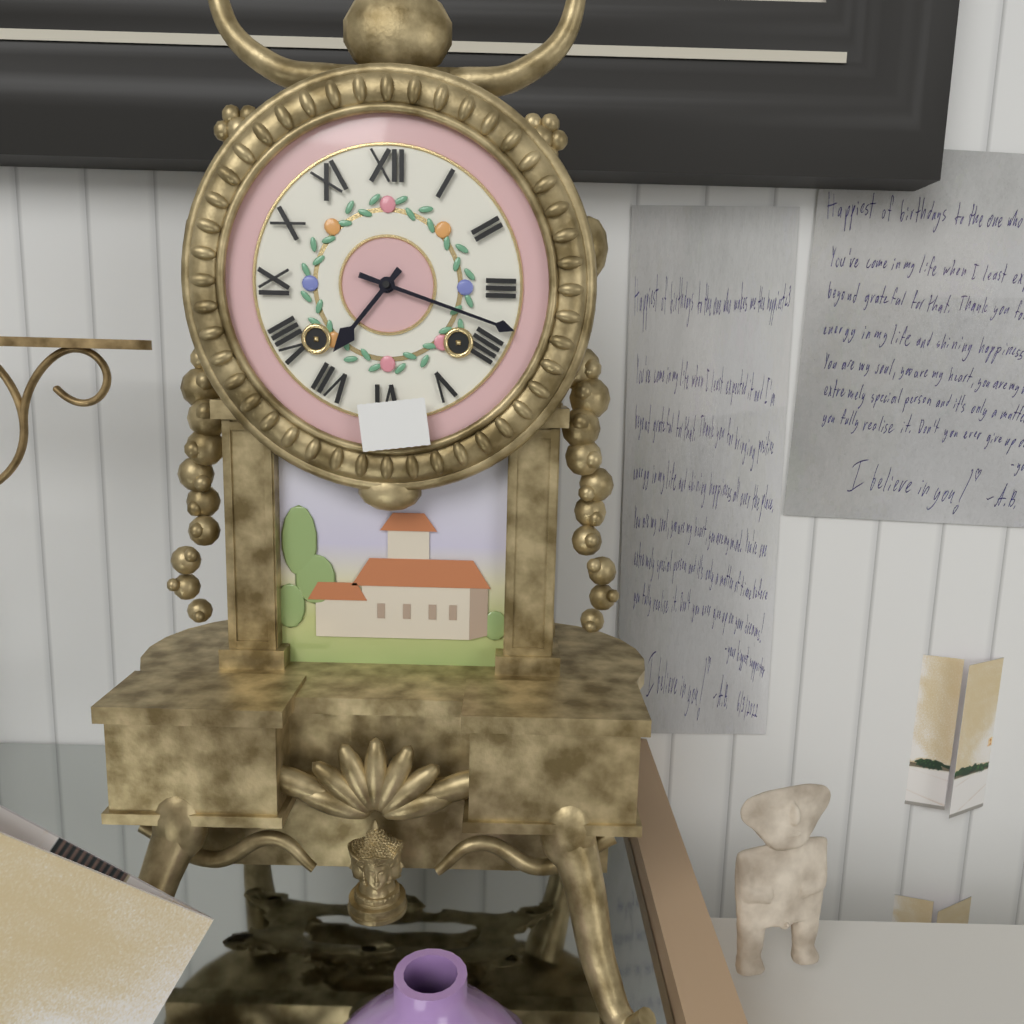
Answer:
7 h 18 min
